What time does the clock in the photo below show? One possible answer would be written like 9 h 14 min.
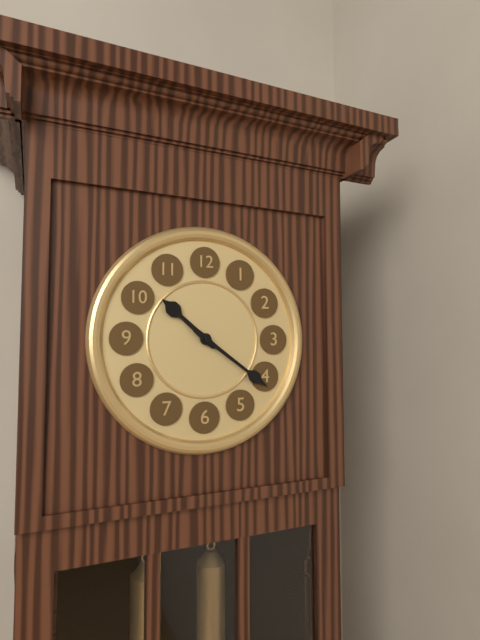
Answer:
10 h 21 min
